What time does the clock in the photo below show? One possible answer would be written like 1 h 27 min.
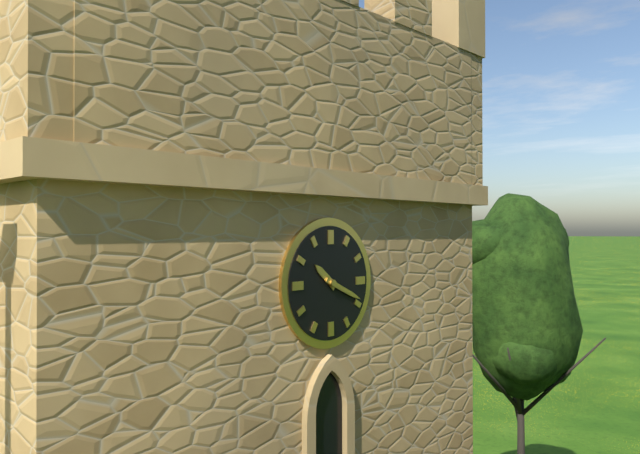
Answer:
10 h 19 min
